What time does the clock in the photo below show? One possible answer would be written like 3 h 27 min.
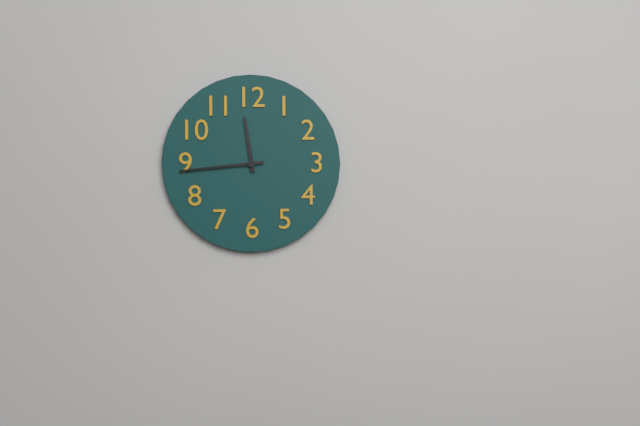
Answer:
11 h 44 min
